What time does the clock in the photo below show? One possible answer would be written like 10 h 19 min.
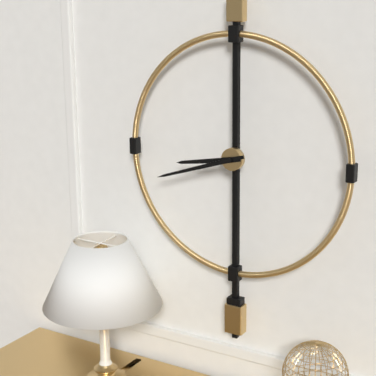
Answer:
8 h 42 min
